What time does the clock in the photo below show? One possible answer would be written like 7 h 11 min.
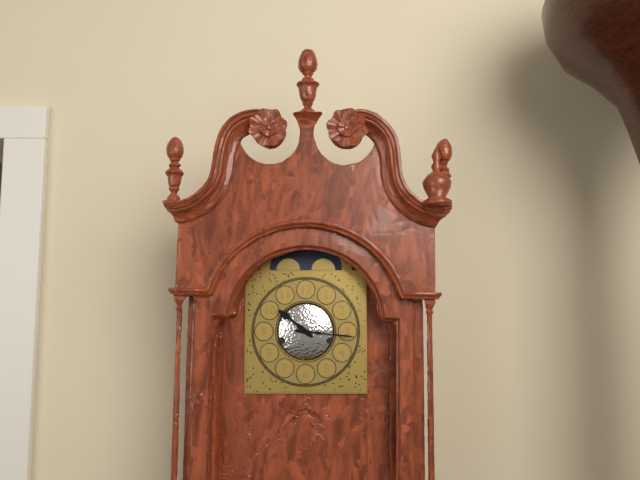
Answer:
10 h 16 min
